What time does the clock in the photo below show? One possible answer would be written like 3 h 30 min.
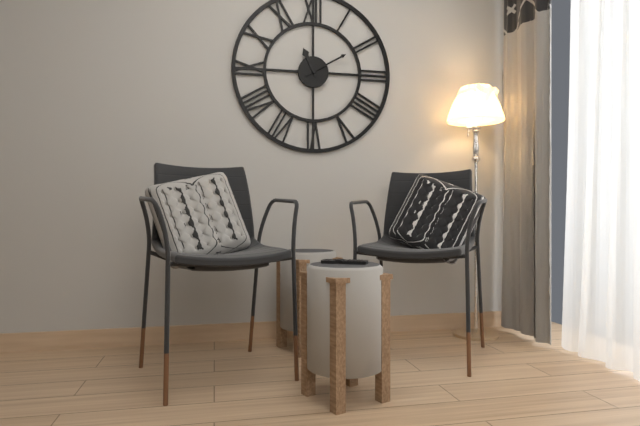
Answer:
11 h 10 min
